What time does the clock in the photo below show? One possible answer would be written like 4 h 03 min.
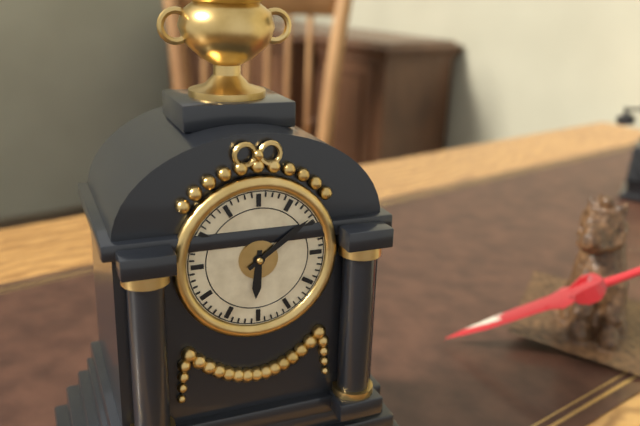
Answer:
6 h 09 min
